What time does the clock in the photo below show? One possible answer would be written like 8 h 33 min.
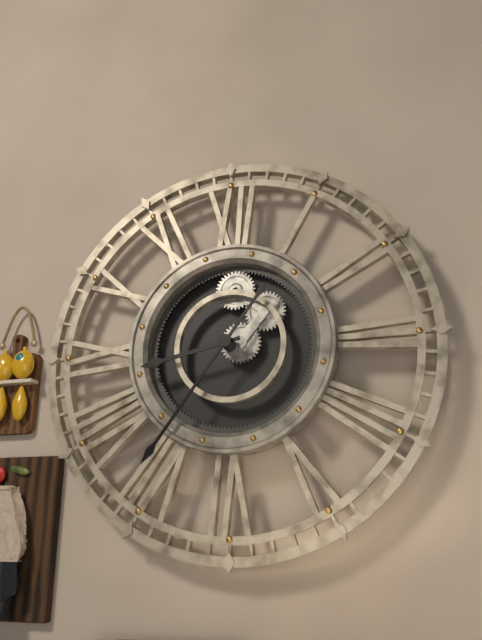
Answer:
8 h 36 min
